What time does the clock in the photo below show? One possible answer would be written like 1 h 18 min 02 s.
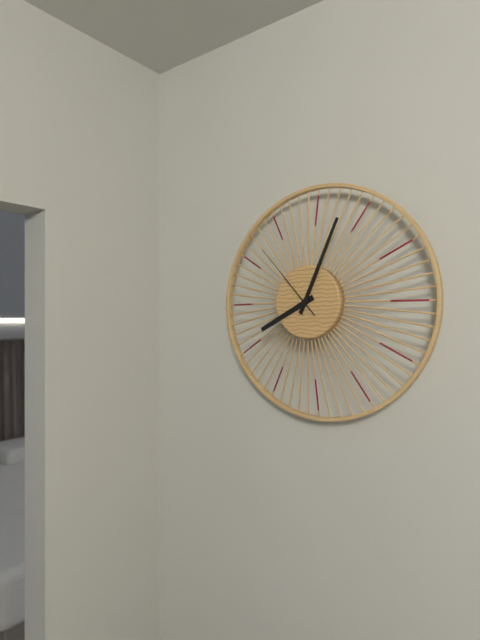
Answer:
8 h 04 min 53 s
